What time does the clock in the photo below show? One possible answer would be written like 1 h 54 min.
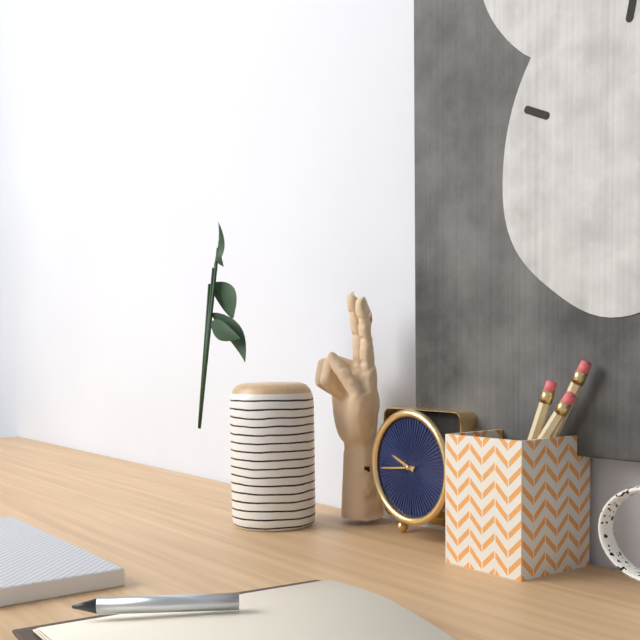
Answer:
9 h 44 min
